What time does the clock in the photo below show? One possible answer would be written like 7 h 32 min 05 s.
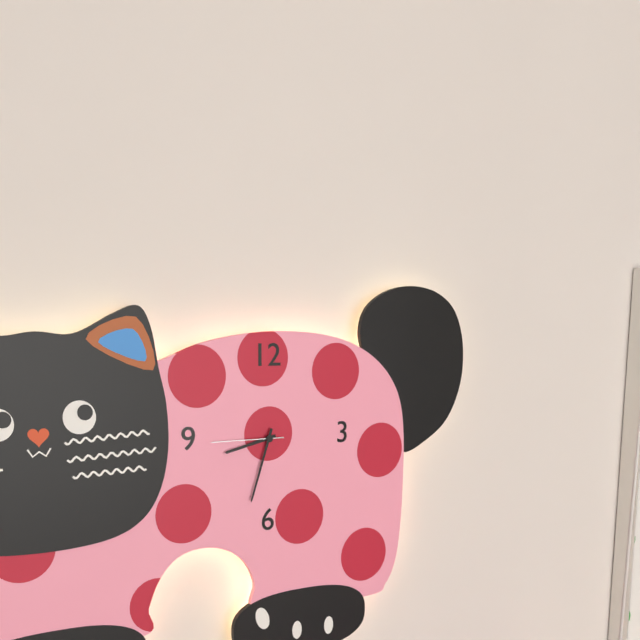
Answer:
8 h 33 min 45 s
